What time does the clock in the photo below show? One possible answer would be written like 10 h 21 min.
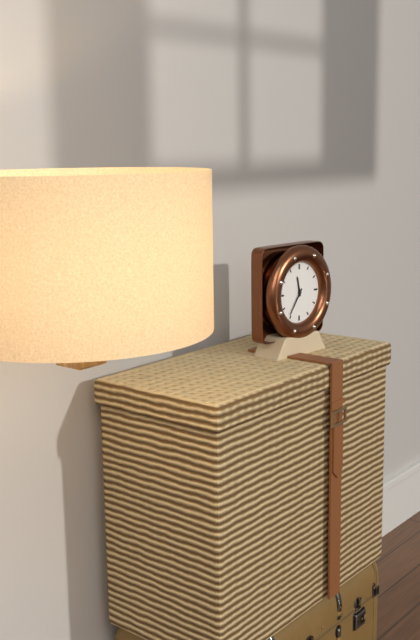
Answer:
11 h 36 min
